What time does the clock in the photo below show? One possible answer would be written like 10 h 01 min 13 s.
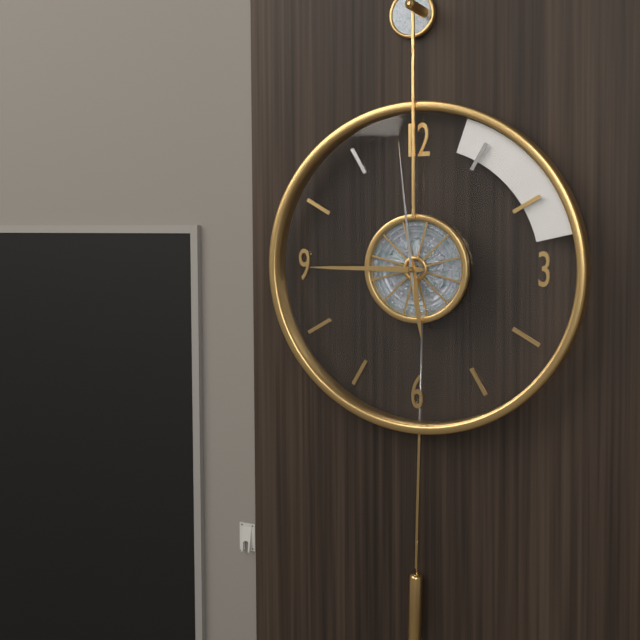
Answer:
5 h 45 min 59 s
